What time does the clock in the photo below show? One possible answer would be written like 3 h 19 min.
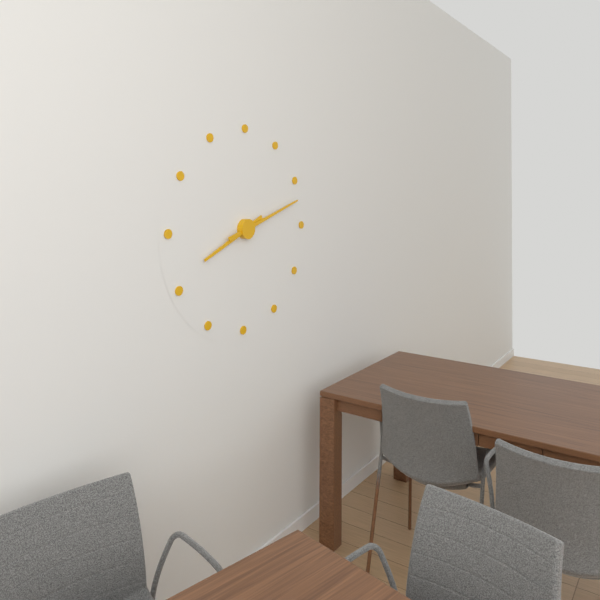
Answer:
8 h 12 min
